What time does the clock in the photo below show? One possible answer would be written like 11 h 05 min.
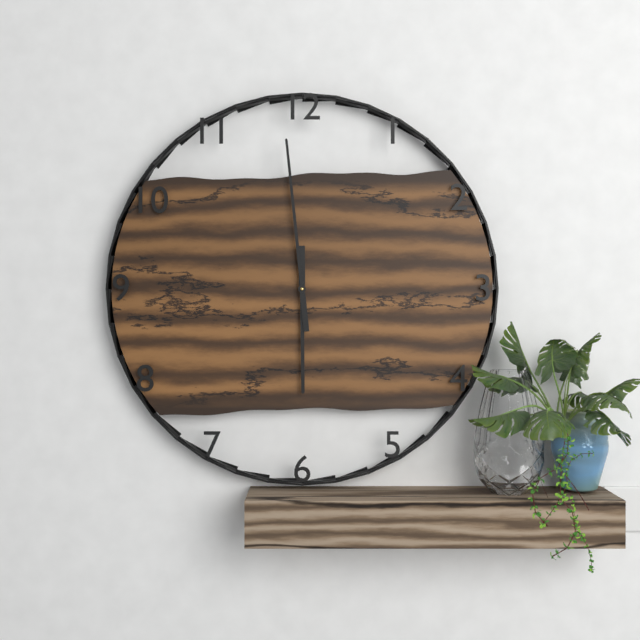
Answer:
5 h 59 min
